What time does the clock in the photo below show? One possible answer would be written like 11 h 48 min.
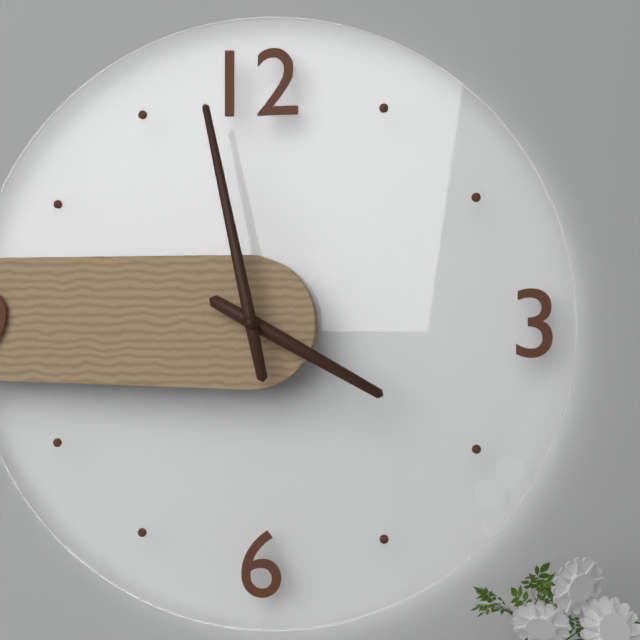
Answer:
3 h 58 min
